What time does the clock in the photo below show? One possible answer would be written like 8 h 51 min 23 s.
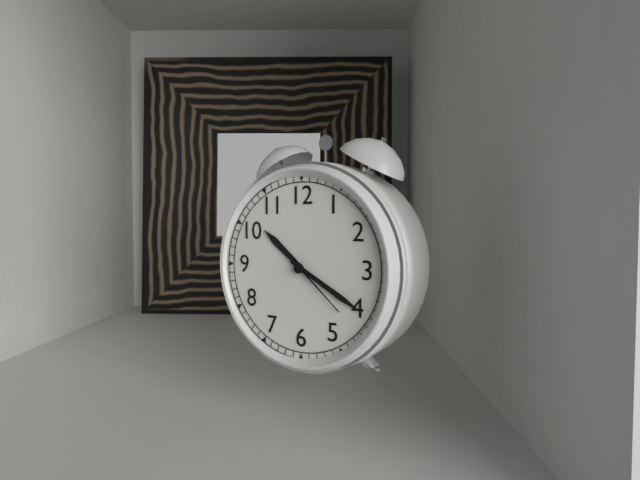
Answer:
10 h 20 min 22 s
